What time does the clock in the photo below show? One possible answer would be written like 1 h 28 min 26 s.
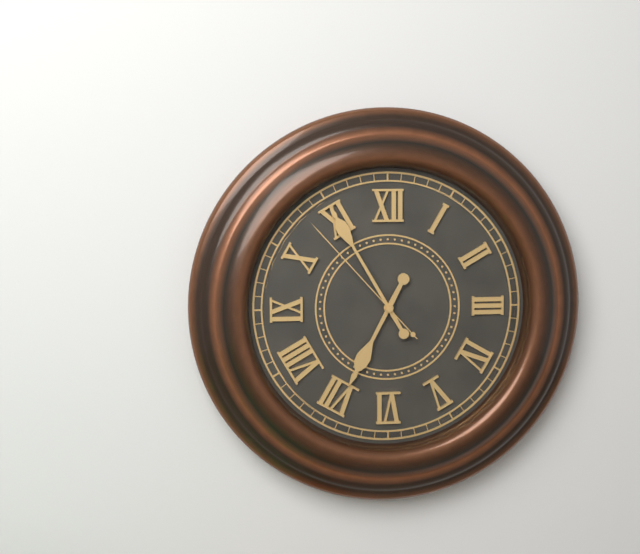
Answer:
6 h 55 min 53 s
